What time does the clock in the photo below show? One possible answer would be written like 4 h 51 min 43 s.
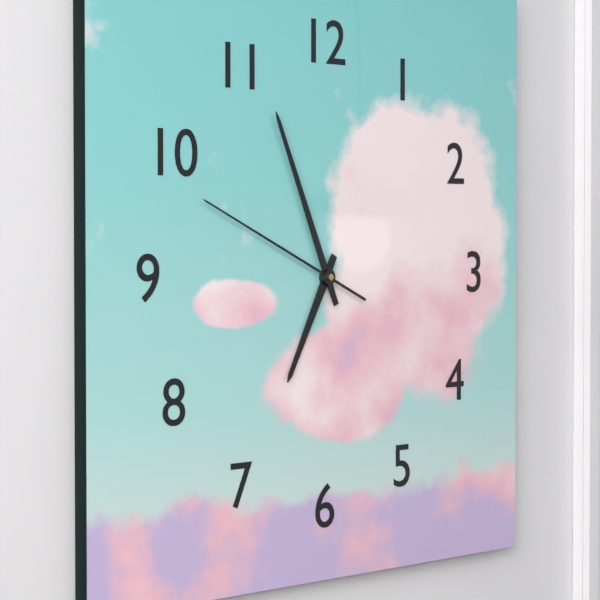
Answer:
6 h 56 min 49 s
